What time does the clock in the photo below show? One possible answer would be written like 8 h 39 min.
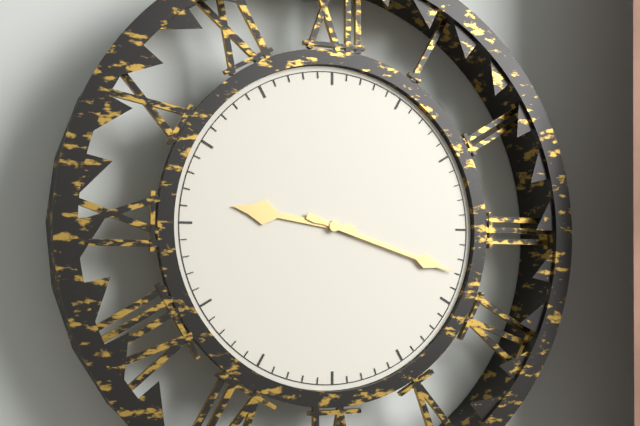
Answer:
9 h 18 min
